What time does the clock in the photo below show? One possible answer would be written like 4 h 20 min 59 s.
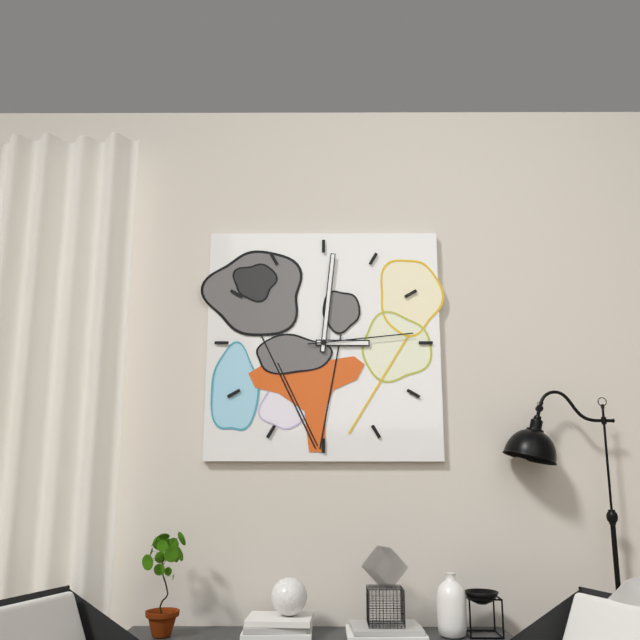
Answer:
3 h 01 min 14 s
